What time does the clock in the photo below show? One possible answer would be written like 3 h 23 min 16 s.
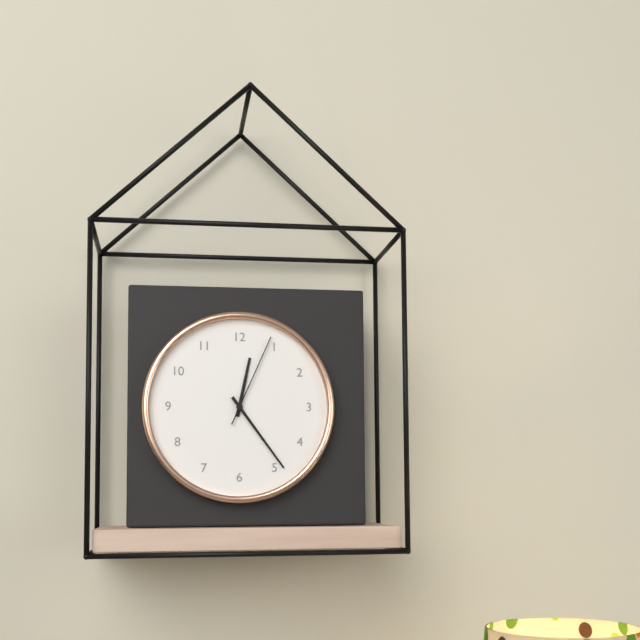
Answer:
12 h 24 min 04 s
